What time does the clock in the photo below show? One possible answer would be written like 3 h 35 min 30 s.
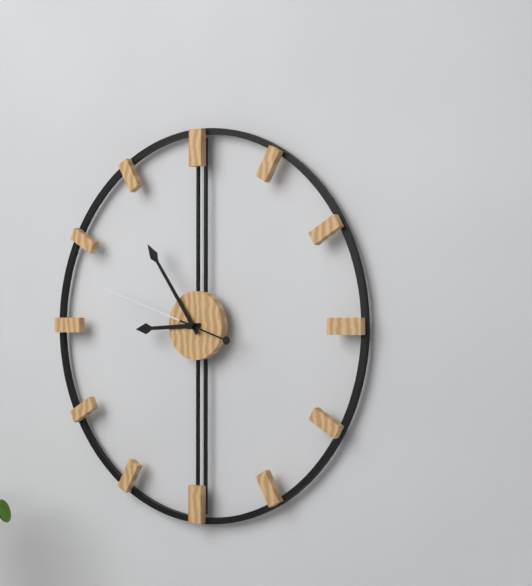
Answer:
8 h 54 min 48 s
